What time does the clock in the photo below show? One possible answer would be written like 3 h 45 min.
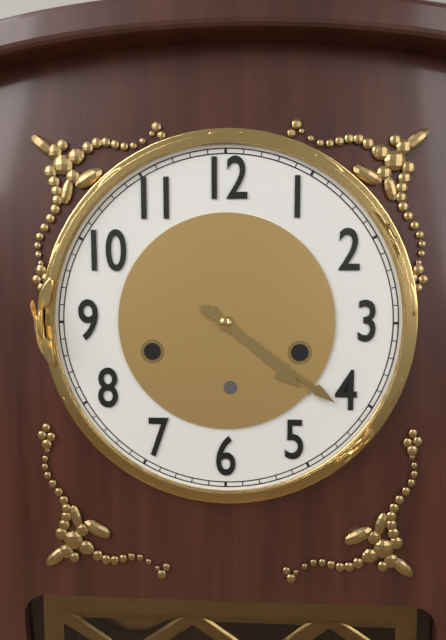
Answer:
4 h 21 min
